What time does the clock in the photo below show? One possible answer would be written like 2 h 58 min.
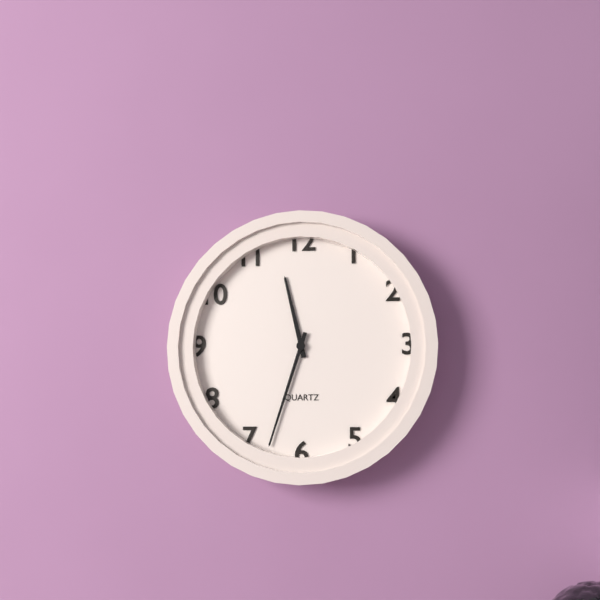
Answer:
11 h 33 min
